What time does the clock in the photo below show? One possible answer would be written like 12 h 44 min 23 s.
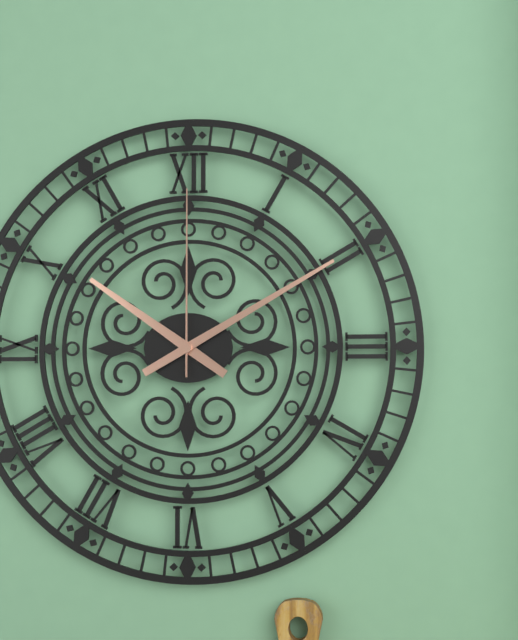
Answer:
10 h 10 min 00 s
